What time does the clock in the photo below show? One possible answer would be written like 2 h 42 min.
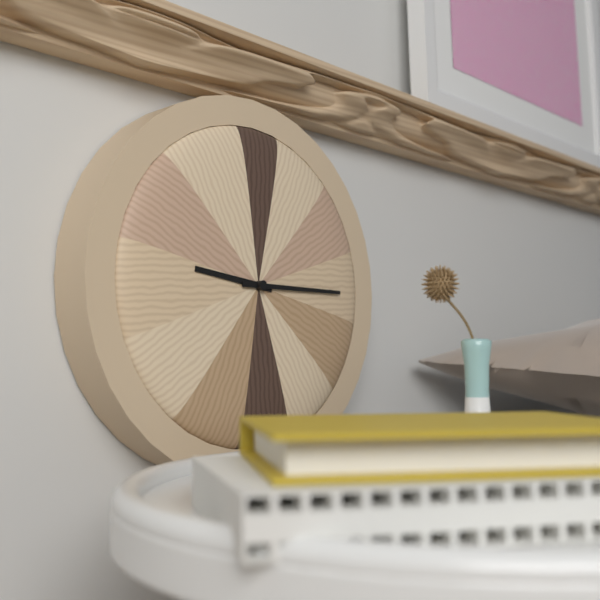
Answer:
9 h 15 min
